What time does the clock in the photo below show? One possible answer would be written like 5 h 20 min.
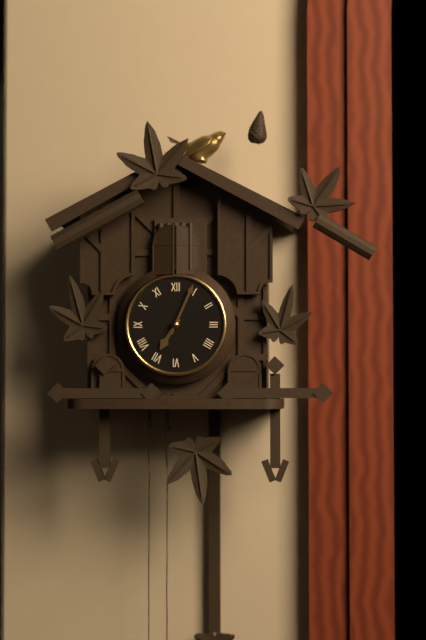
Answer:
7 h 04 min
